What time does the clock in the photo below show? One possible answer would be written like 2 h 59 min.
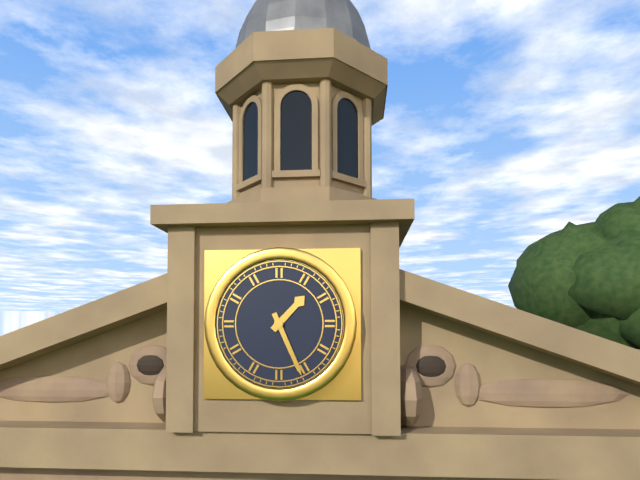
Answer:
1 h 26 min
